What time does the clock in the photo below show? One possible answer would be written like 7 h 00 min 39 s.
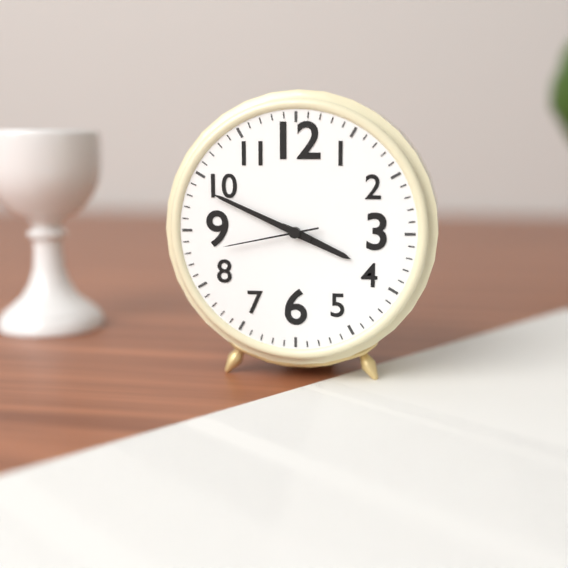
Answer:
3 h 49 min 43 s
